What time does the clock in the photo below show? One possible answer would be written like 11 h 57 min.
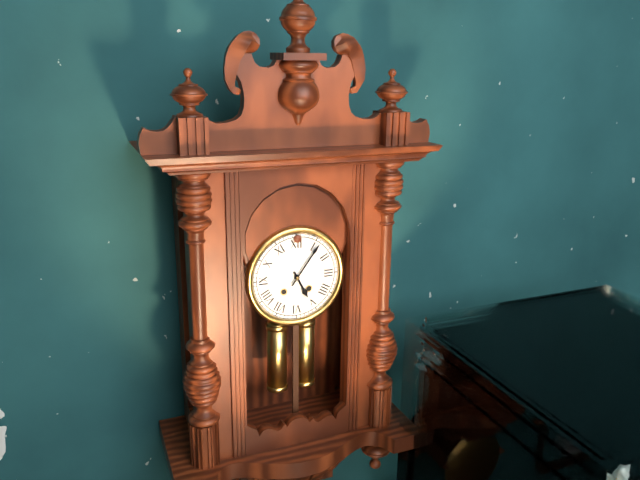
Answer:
5 h 06 min
